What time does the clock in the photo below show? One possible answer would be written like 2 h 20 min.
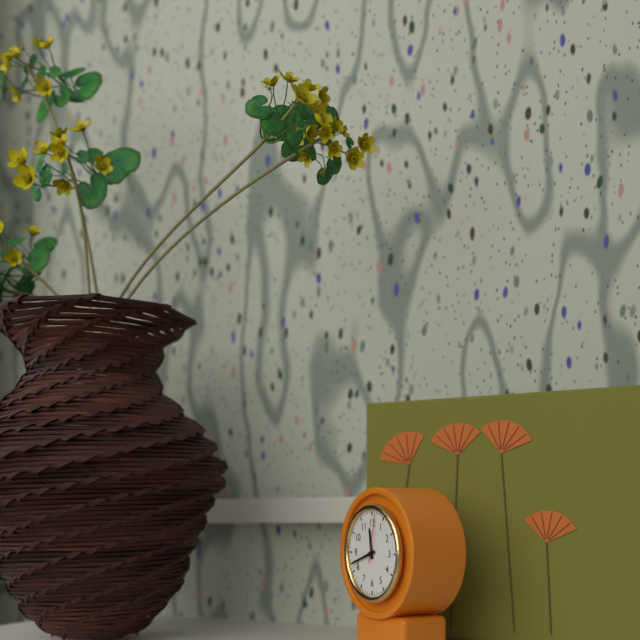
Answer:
11 h 42 min
